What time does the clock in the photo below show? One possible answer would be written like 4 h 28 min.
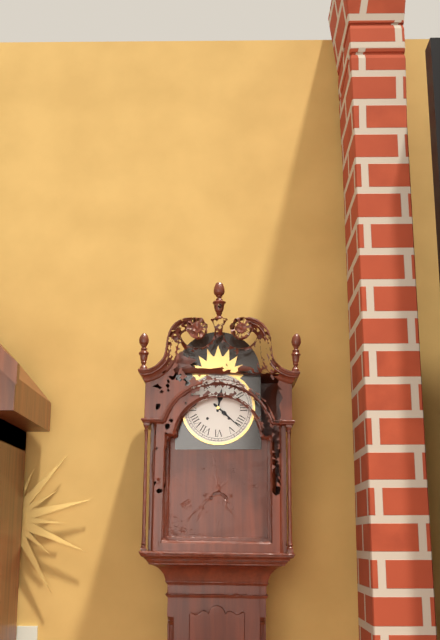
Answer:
12 h 22 min
